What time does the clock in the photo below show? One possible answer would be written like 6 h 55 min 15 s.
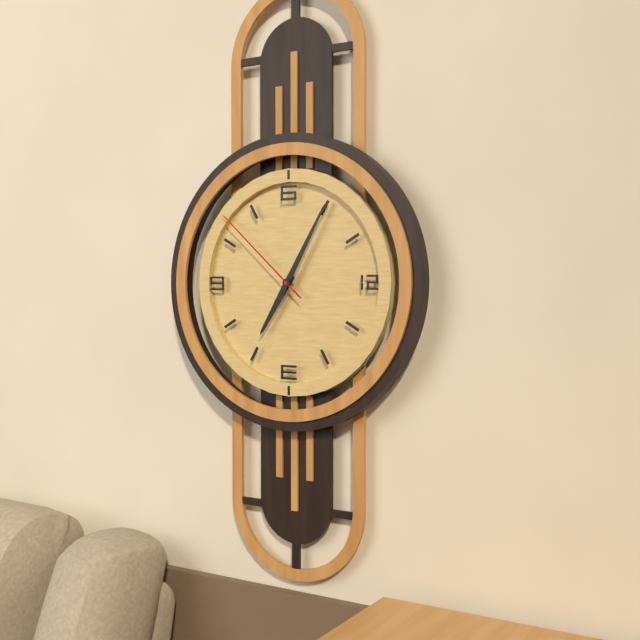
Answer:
7 h 05 min 52 s
